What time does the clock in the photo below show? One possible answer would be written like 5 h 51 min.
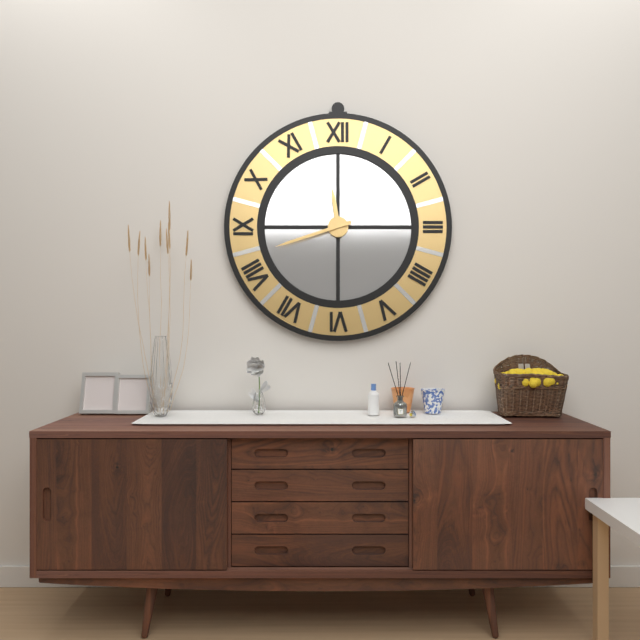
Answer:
11 h 42 min
